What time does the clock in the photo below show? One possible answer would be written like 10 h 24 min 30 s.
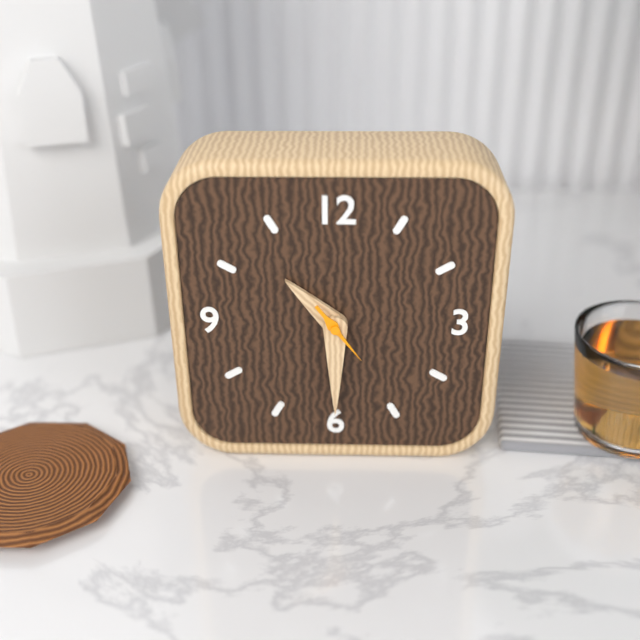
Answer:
10 h 30 min 24 s
